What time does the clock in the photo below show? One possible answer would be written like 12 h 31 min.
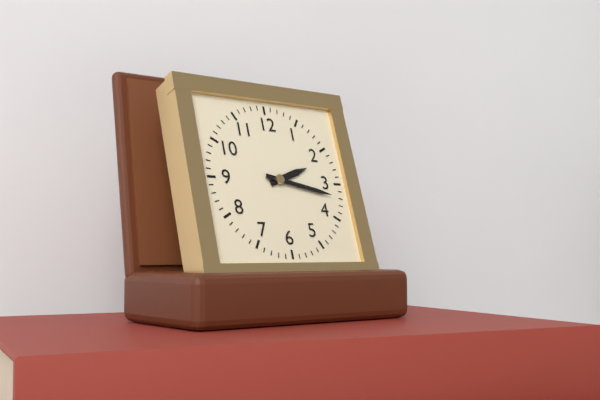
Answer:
2 h 17 min
